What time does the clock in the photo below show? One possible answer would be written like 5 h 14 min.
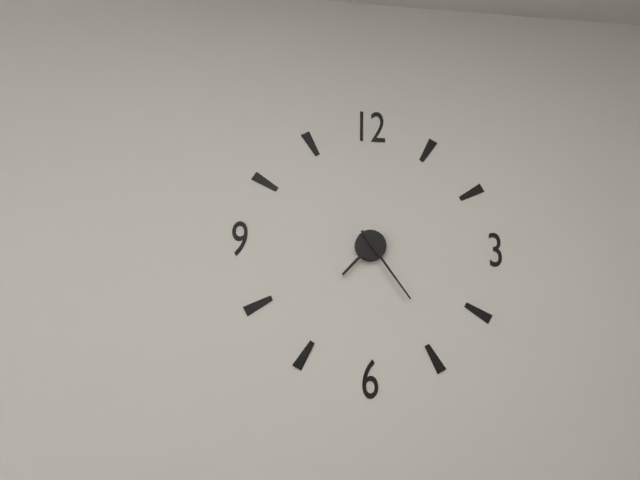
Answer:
7 h 24 min
